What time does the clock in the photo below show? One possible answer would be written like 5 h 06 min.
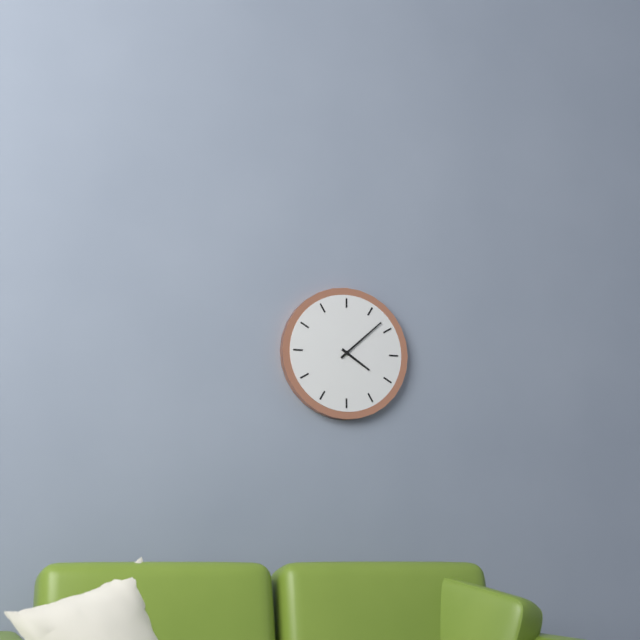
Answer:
4 h 08 min
